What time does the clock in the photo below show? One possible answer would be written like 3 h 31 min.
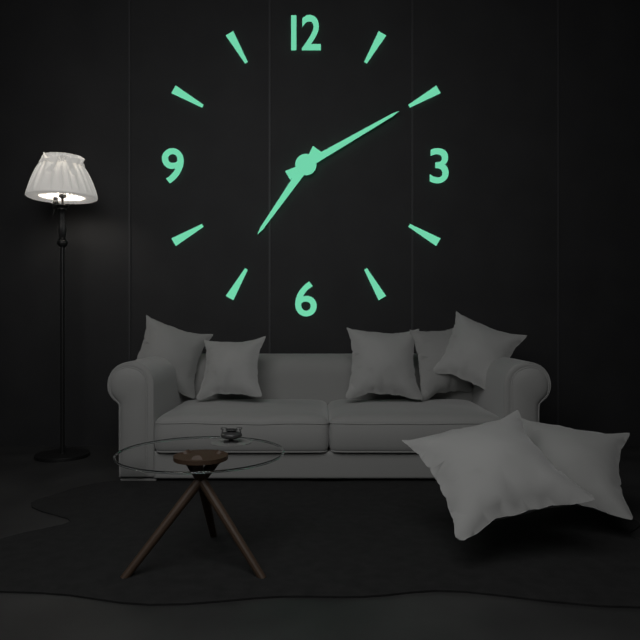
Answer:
7 h 10 min
